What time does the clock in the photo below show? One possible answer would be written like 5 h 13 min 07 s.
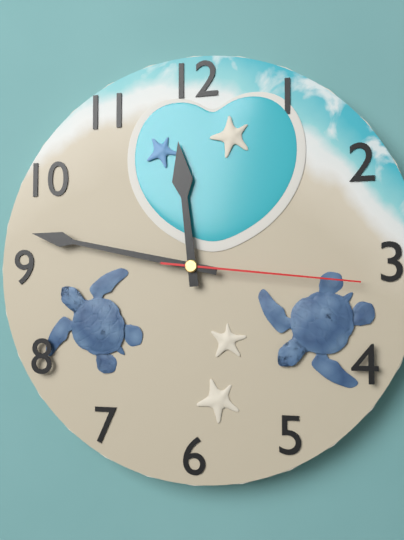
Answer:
11 h 47 min 16 s
